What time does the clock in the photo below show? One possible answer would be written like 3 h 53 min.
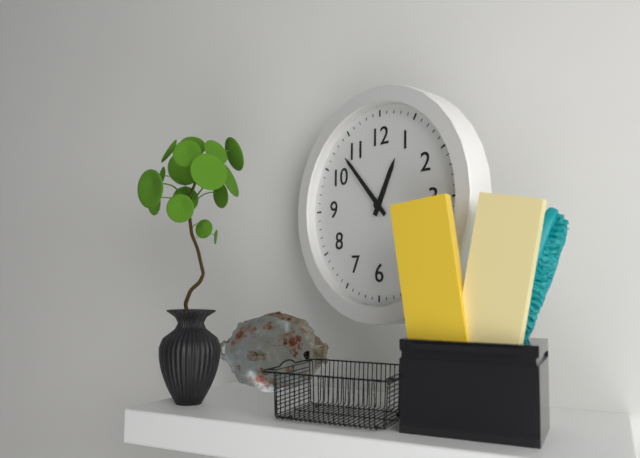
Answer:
12 h 53 min
